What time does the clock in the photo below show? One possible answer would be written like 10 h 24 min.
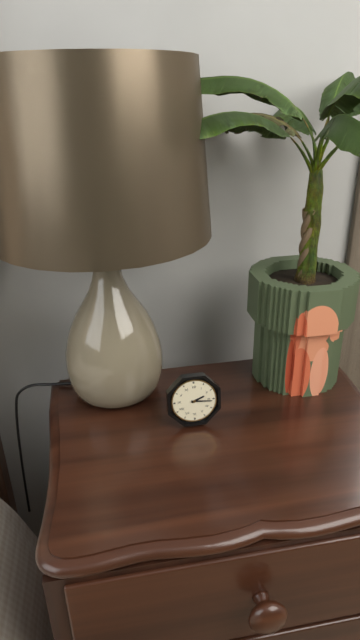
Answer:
2 h 16 min
